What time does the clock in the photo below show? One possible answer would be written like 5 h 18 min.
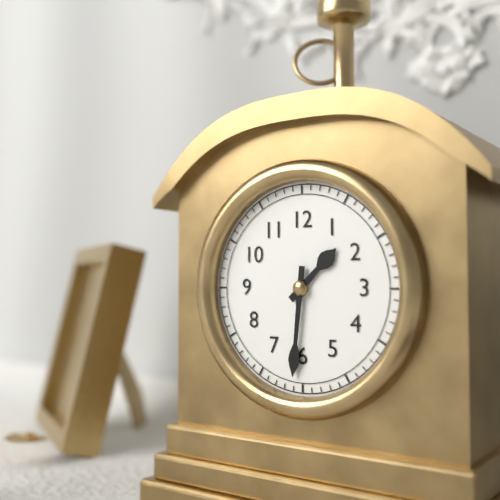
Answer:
1 h 31 min
